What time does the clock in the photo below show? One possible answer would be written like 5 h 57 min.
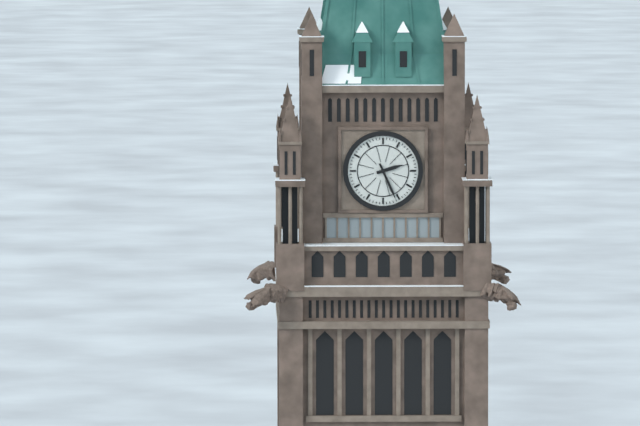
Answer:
2 h 26 min
